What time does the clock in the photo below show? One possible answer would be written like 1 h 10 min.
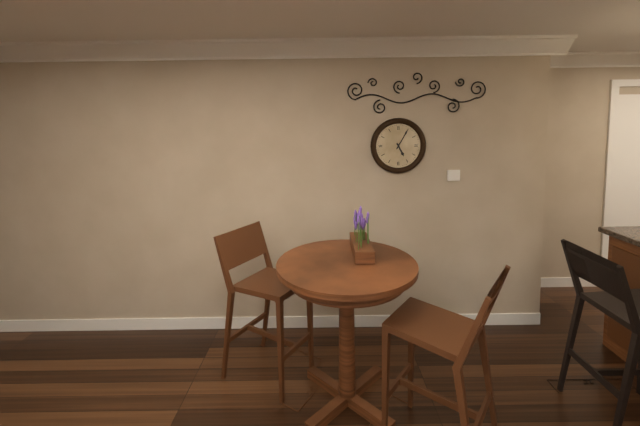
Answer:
5 h 05 min
